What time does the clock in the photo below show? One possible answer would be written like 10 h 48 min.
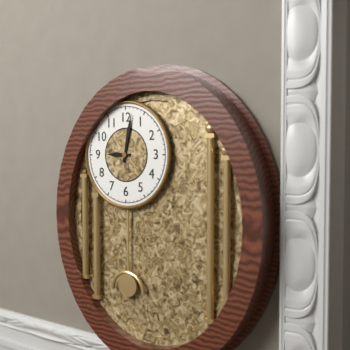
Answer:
9 h 02 min
